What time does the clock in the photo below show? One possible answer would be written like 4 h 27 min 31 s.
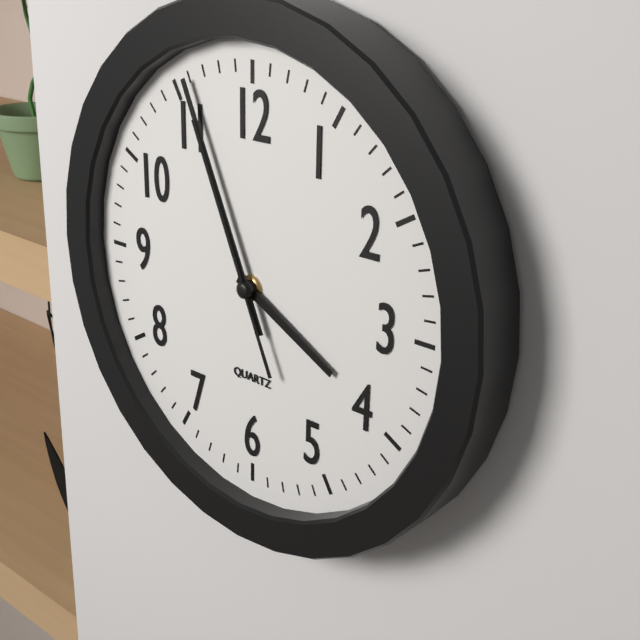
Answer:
3 h 56 min 56 s
